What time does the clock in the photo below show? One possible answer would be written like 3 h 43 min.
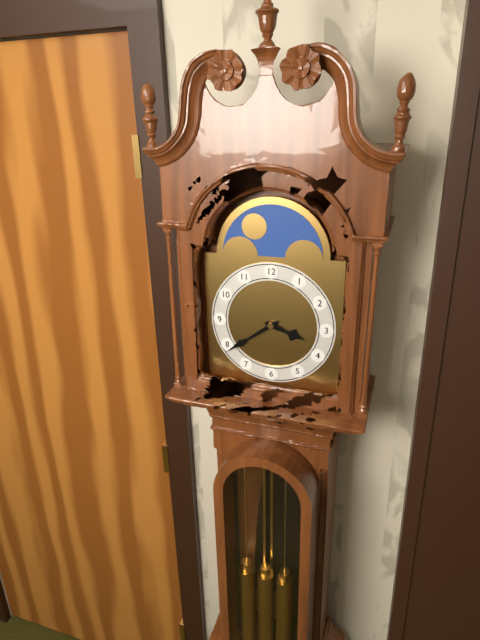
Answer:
3 h 39 min
